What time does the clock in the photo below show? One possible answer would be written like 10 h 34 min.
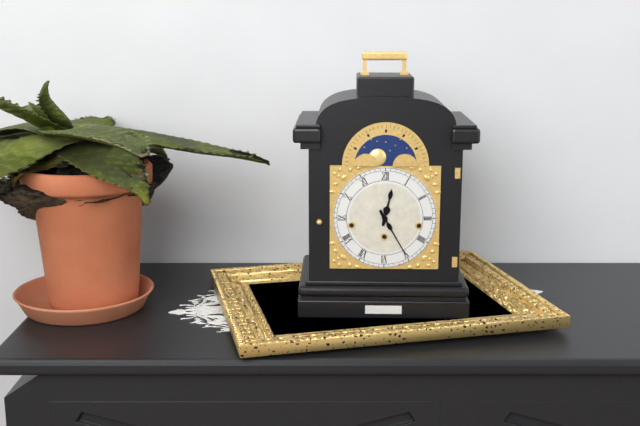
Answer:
12 h 25 min
